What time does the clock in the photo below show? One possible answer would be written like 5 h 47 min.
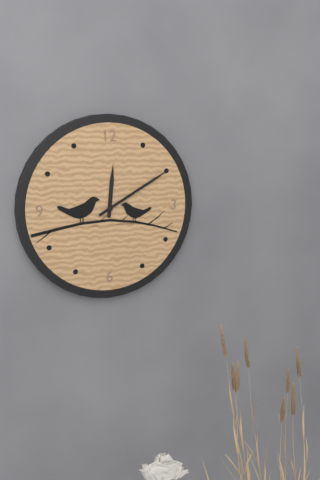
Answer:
12 h 10 min
